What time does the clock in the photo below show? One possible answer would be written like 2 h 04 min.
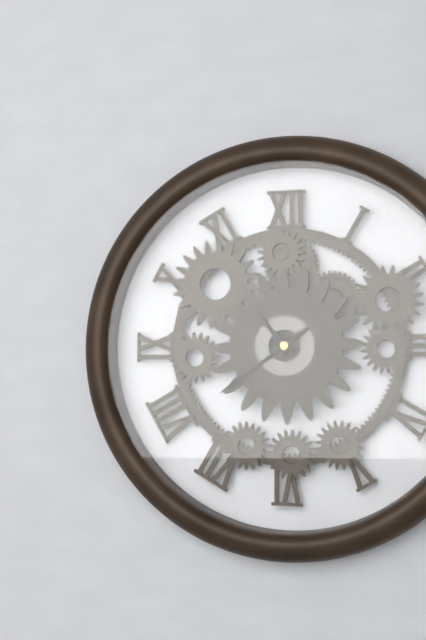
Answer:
10 h 39 min
